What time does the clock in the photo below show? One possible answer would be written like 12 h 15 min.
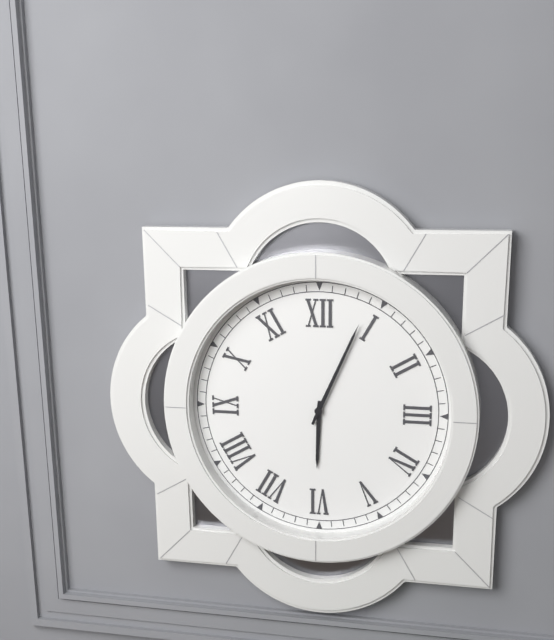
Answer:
6 h 04 min
